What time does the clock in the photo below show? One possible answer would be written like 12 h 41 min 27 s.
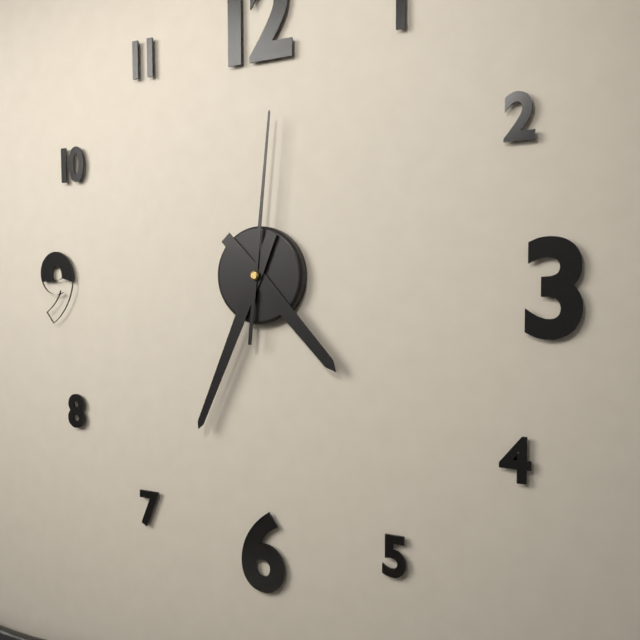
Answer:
4 h 34 min 01 s
